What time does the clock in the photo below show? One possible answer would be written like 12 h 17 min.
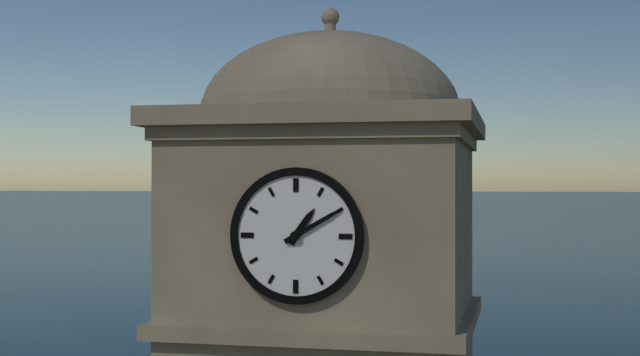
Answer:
1 h 10 min
